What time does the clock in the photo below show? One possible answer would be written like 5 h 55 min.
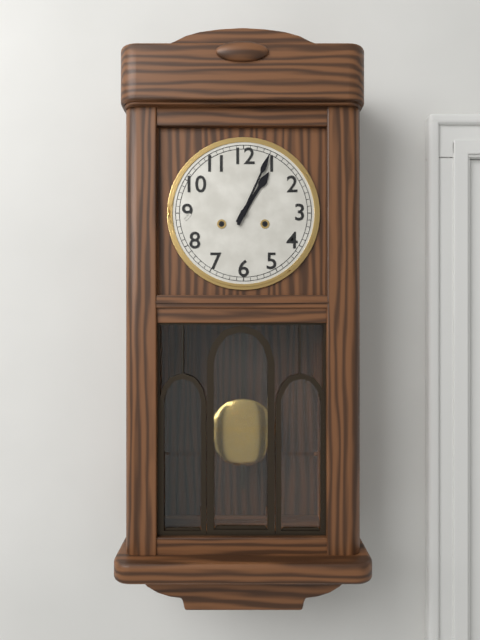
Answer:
1 h 04 min
